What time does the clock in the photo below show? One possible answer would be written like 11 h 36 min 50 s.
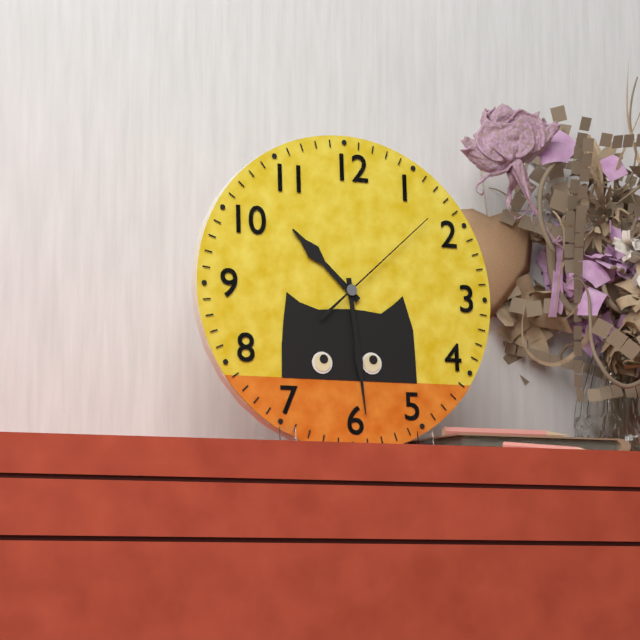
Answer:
10 h 29 min 08 s
